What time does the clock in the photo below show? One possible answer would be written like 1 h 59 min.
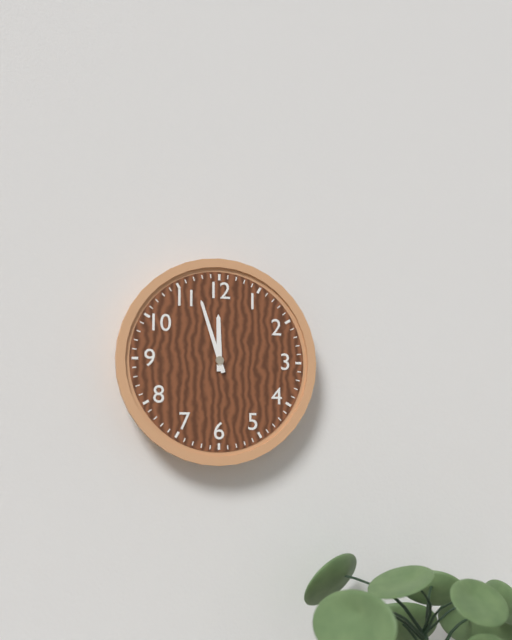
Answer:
11 h 57 min
